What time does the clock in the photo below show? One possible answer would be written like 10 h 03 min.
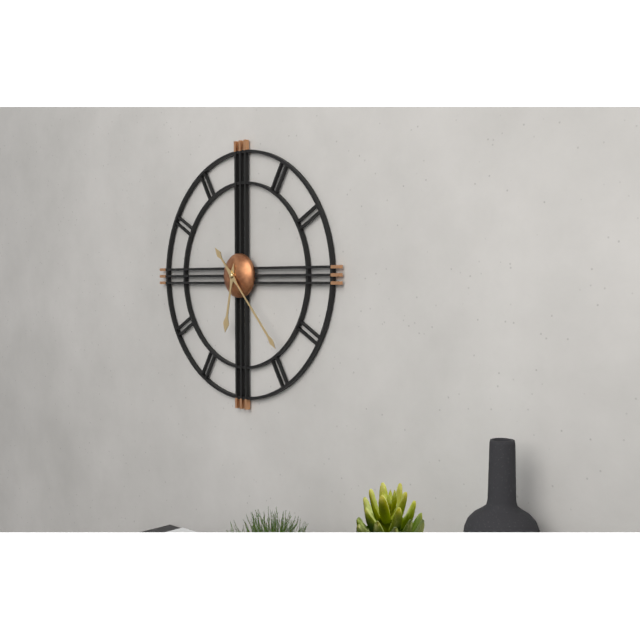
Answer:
6 h 23 min
